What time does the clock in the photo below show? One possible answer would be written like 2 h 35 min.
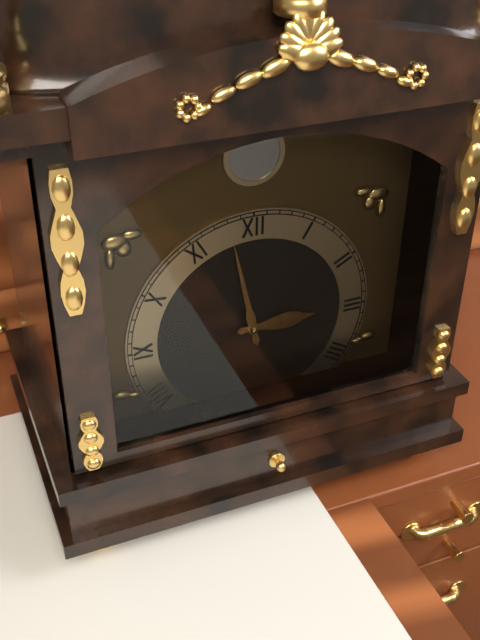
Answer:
2 h 58 min
